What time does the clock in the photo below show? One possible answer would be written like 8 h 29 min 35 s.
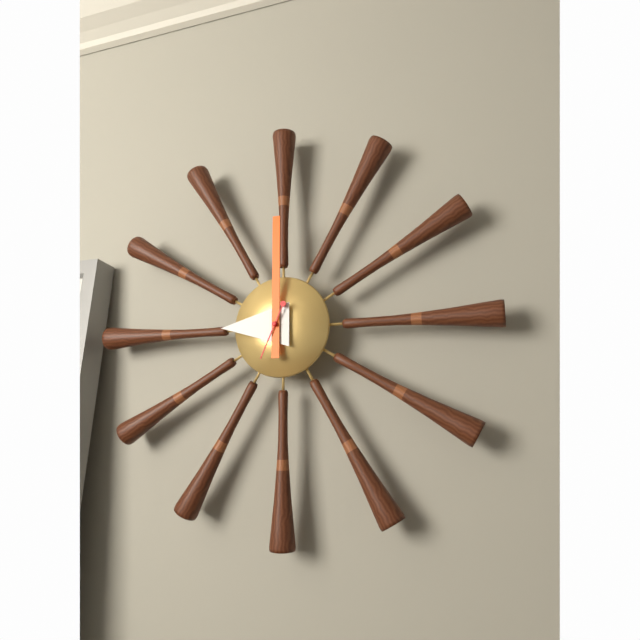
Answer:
9 h 00 min 34 s
